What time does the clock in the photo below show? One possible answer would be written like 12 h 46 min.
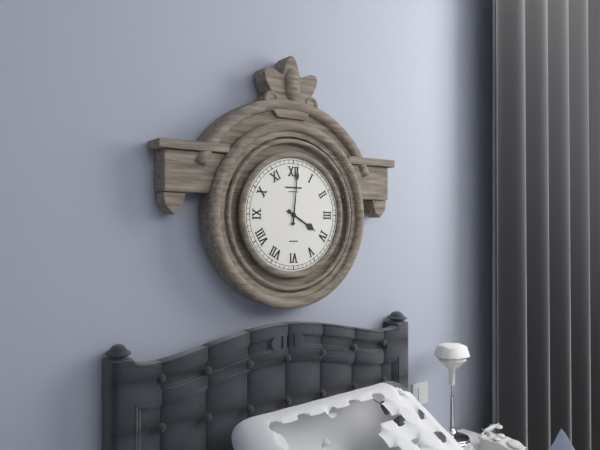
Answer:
4 h 01 min
